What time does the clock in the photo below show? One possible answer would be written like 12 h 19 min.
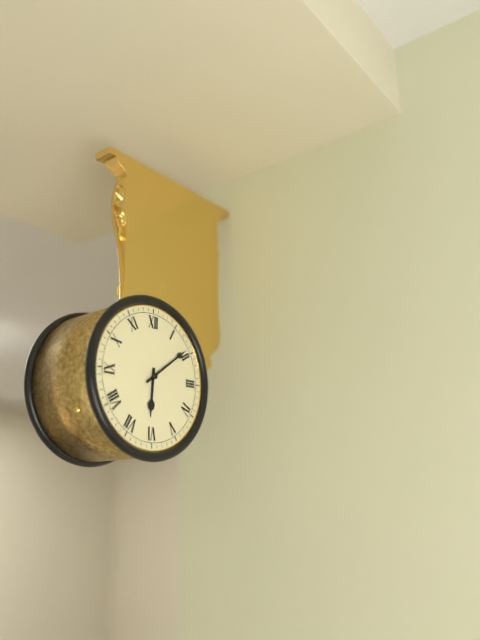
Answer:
6 h 09 min
